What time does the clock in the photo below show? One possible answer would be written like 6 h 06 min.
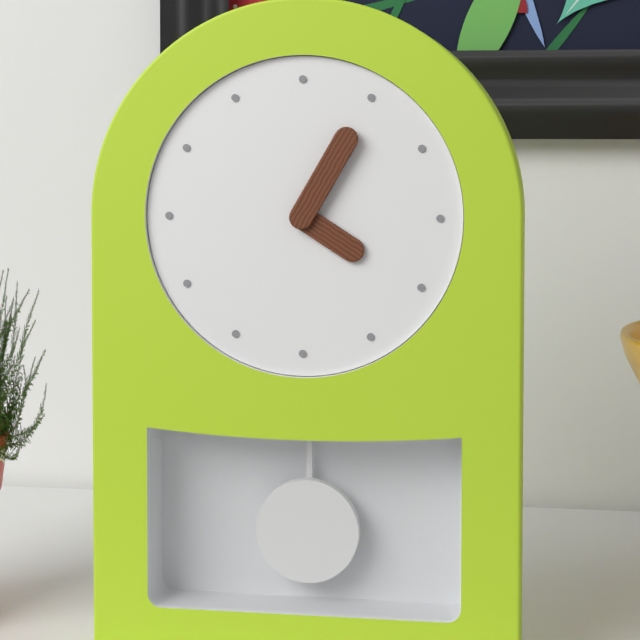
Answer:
4 h 05 min
